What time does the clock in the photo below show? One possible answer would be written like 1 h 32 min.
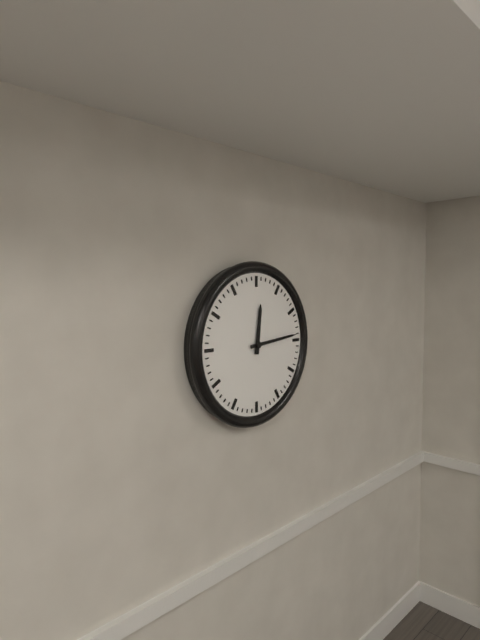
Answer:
12 h 14 min
